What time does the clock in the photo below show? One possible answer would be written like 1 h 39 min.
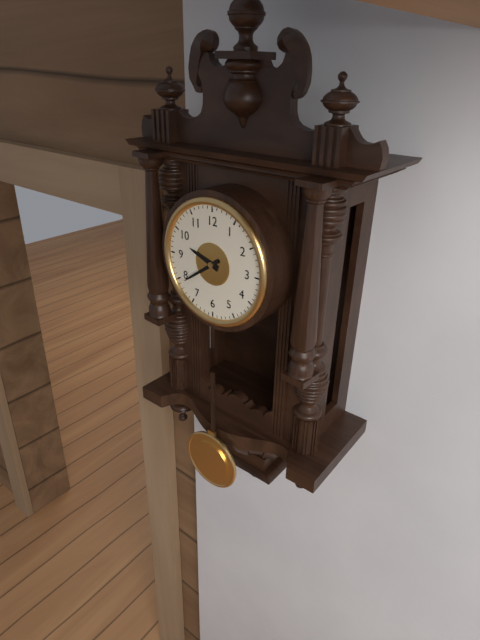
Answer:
9 h 39 min
